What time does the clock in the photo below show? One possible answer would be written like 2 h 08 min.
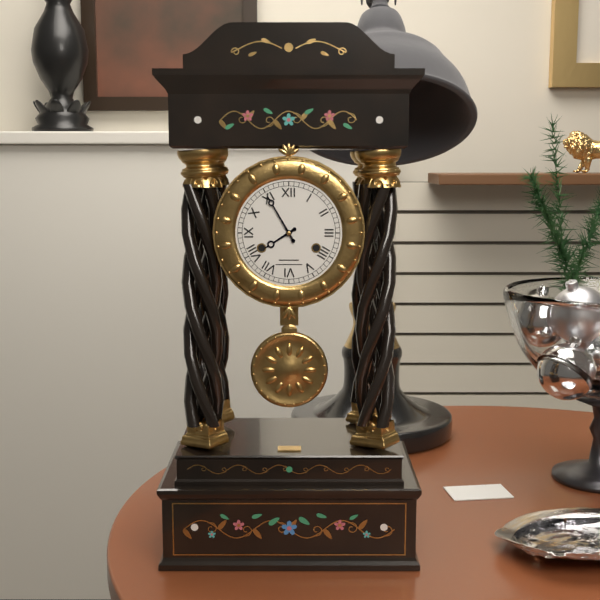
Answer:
7 h 55 min
